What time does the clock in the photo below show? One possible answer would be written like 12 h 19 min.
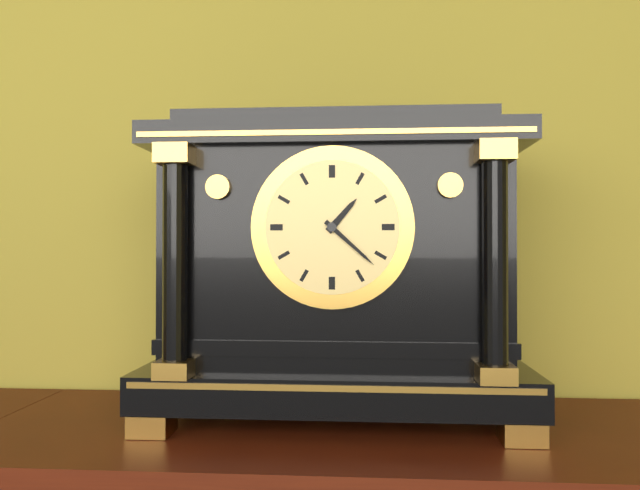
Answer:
1 h 22 min
